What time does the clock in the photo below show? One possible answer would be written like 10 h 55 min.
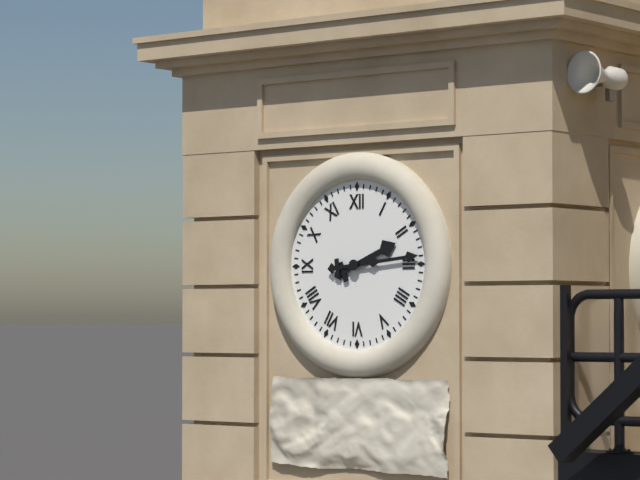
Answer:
2 h 14 min
